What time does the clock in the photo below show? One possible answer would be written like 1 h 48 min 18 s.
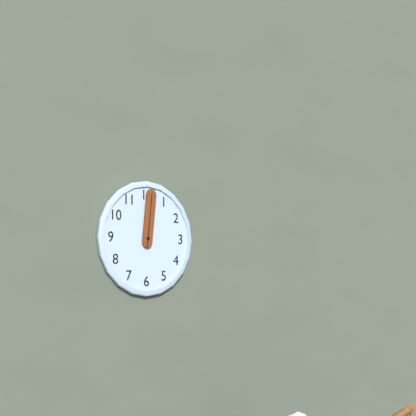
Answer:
12 h 01 min 01 s
